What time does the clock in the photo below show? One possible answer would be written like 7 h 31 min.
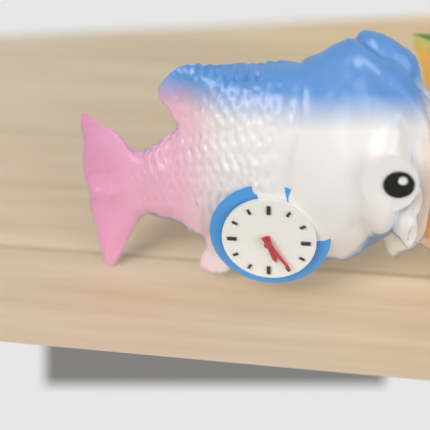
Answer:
5 h 24 min
